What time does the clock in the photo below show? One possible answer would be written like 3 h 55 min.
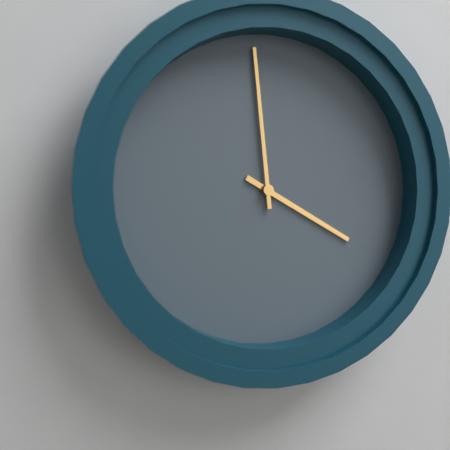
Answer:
3 h 59 min
